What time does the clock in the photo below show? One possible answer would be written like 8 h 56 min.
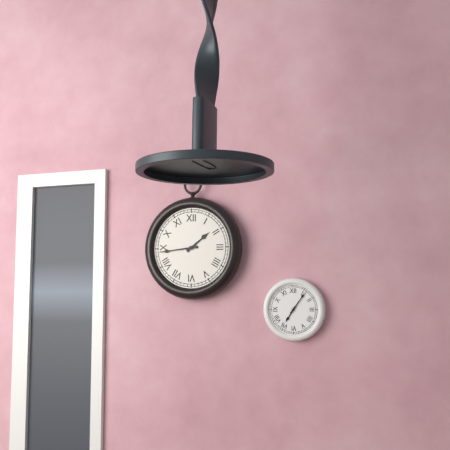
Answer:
1 h 44 min
